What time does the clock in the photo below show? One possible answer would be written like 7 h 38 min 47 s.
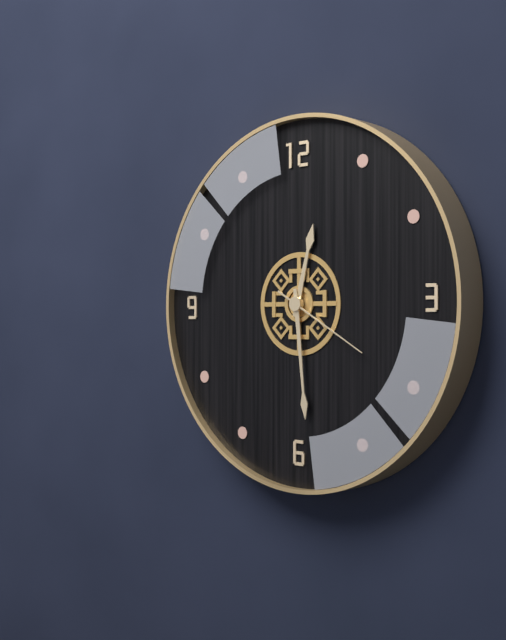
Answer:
12 h 29 min 20 s
